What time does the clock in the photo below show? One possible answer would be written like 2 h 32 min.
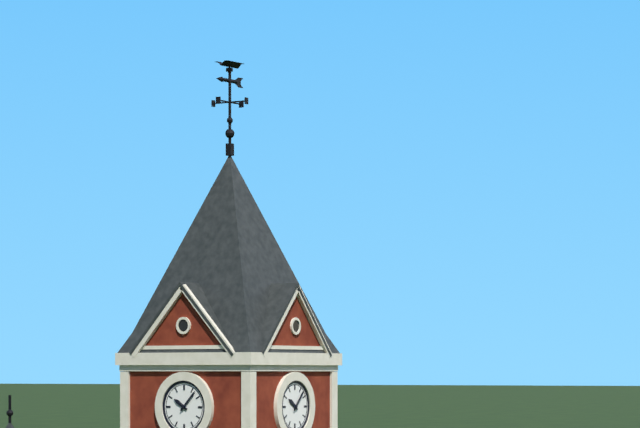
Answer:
10 h 07 min
